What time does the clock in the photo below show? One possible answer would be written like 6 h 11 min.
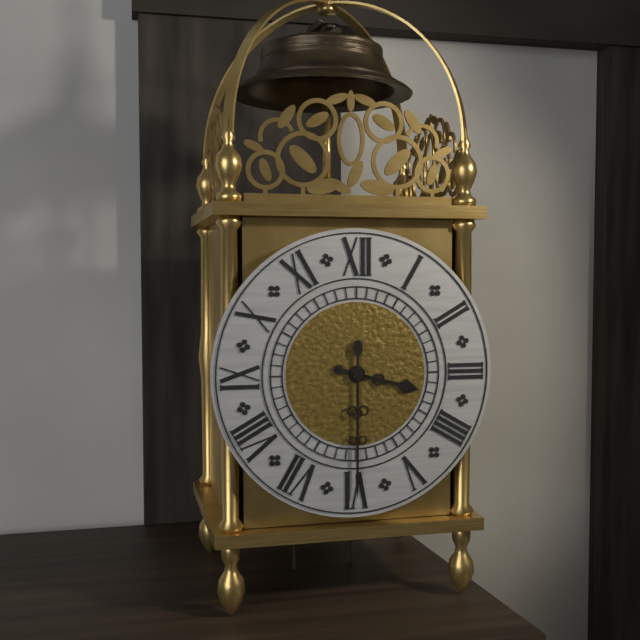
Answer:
3 h 30 min
